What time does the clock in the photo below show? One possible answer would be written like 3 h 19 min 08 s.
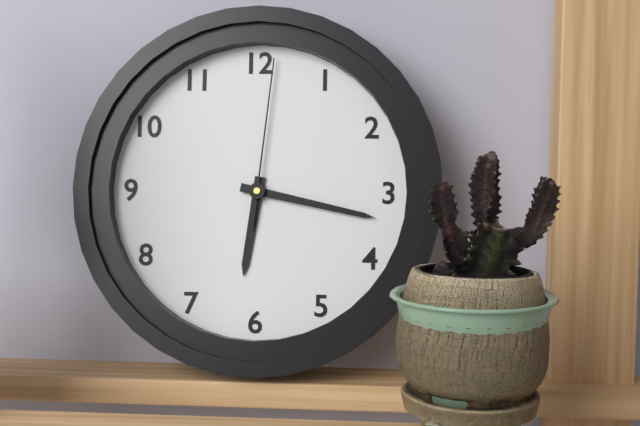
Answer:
6 h 17 min 01 s
